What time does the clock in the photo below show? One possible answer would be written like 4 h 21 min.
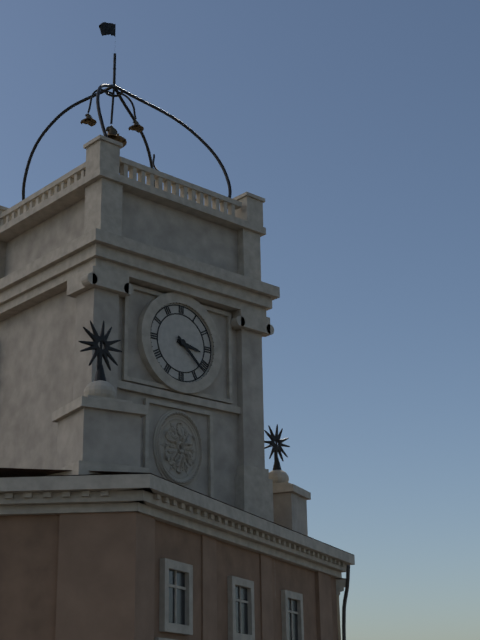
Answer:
3 h 22 min
